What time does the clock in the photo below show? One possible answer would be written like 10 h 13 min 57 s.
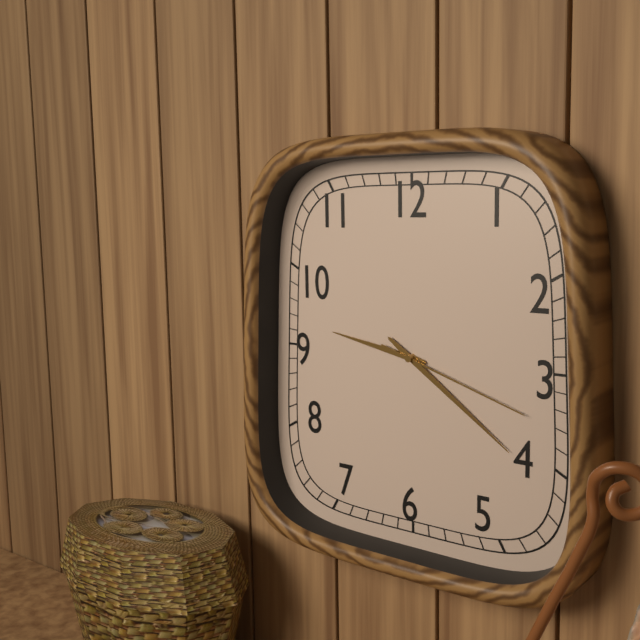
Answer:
9 h 21 min 18 s
